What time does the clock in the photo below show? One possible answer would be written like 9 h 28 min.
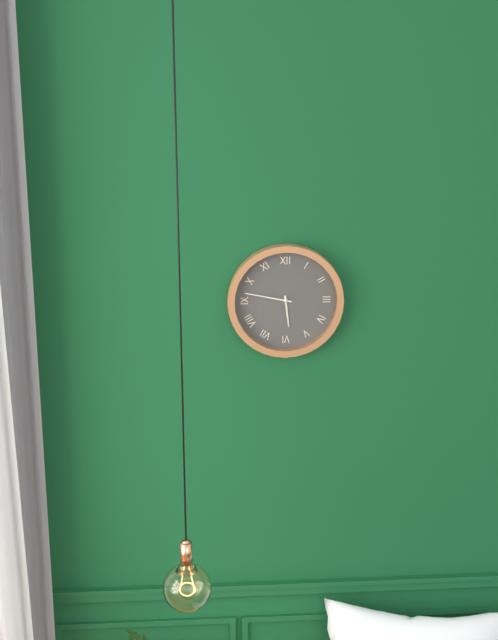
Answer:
5 h 47 min
